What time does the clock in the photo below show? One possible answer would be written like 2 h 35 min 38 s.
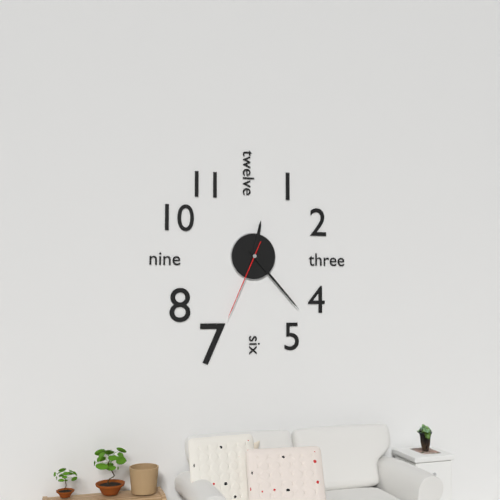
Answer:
12 h 23 min 34 s
